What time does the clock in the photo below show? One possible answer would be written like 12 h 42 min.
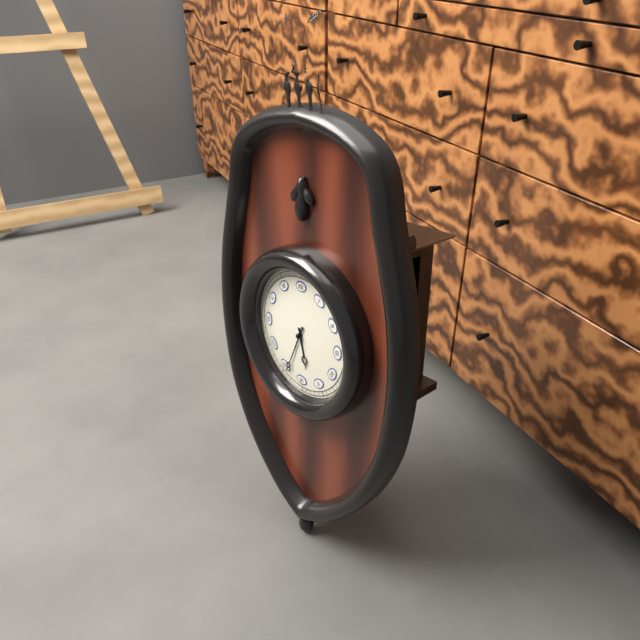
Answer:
5 h 34 min
